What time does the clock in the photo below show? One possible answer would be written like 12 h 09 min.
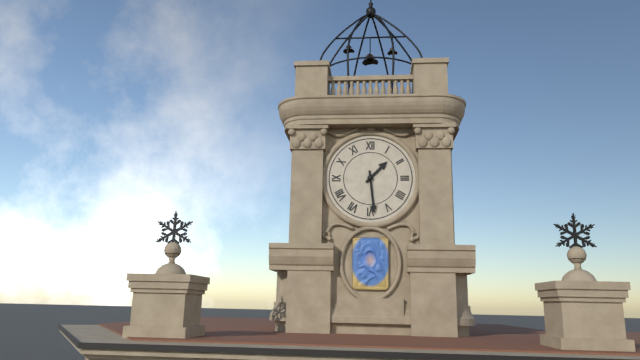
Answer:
1 h 29 min
